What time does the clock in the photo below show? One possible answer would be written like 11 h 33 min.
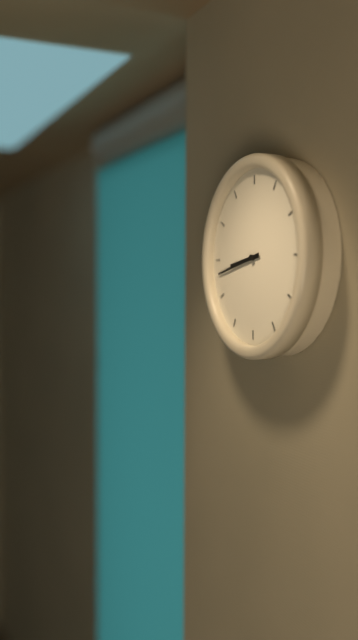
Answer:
8 h 43 min
